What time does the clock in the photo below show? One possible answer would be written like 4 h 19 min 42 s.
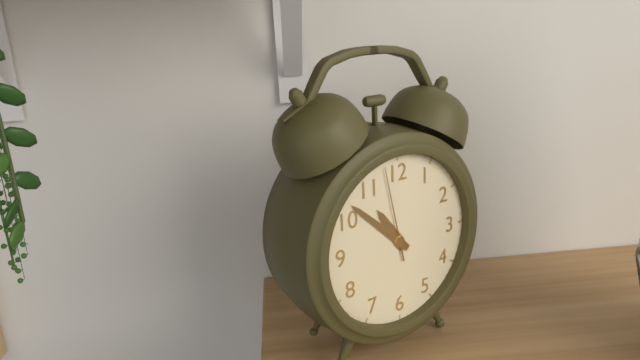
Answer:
10 h 52 min 58 s
